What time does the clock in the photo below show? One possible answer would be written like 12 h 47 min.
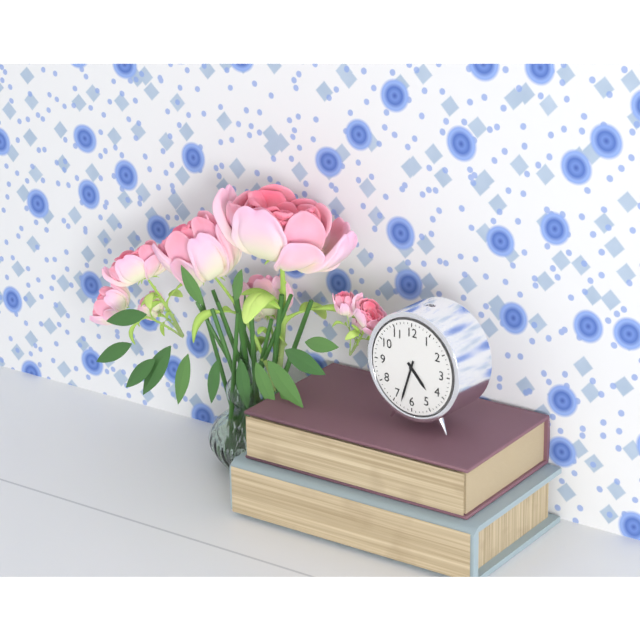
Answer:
4 h 33 min
